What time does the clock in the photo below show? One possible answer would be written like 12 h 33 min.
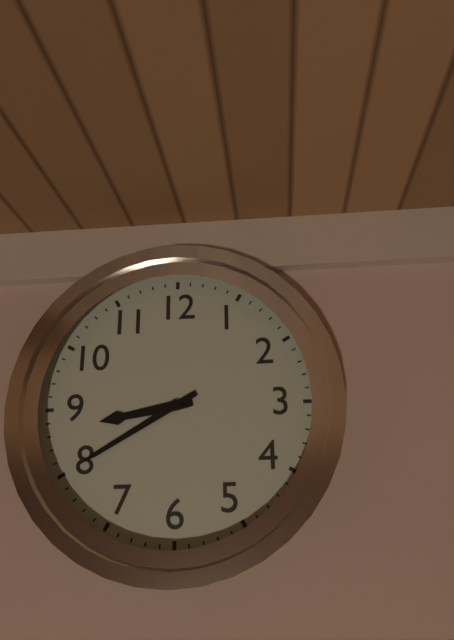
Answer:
8 h 40 min
